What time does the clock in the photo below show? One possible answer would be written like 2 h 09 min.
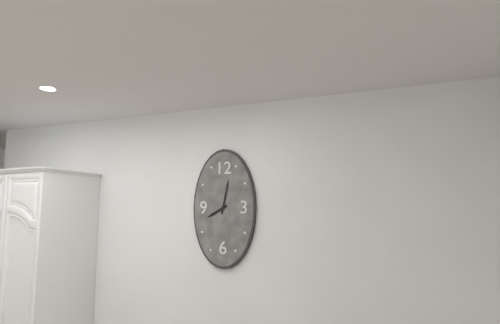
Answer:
8 h 02 min
